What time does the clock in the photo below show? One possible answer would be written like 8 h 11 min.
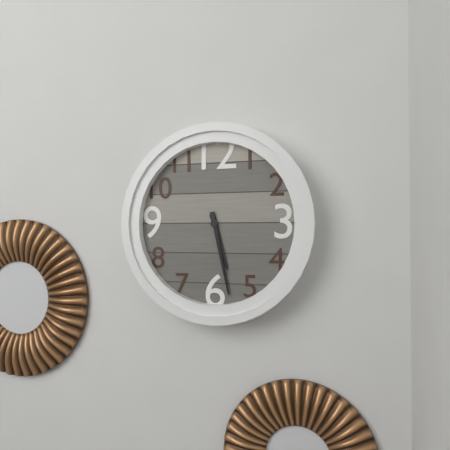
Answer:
5 h 28 min
